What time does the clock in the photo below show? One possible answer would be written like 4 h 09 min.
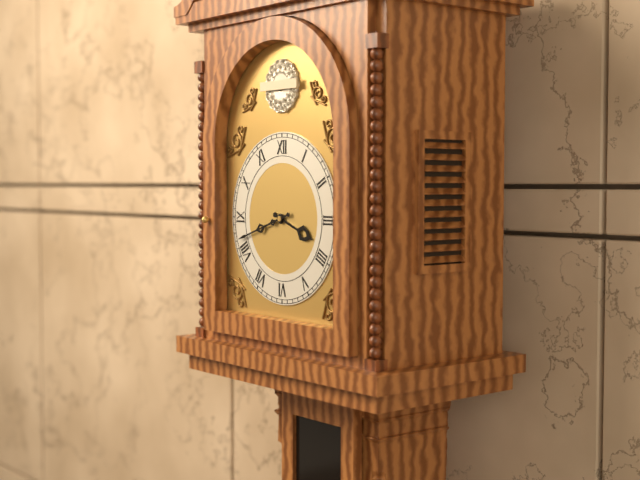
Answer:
3 h 42 min
